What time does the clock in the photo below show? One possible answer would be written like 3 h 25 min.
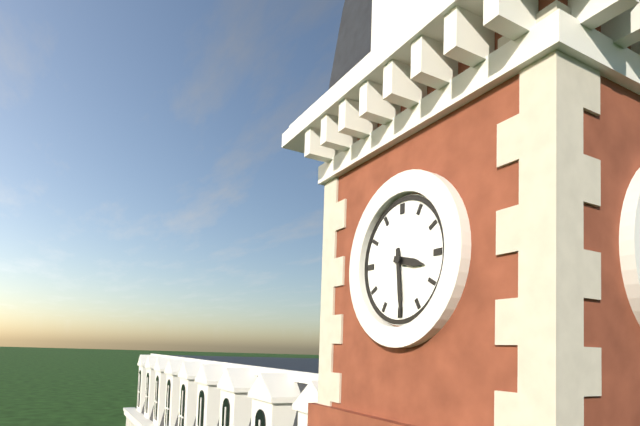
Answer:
3 h 29 min
